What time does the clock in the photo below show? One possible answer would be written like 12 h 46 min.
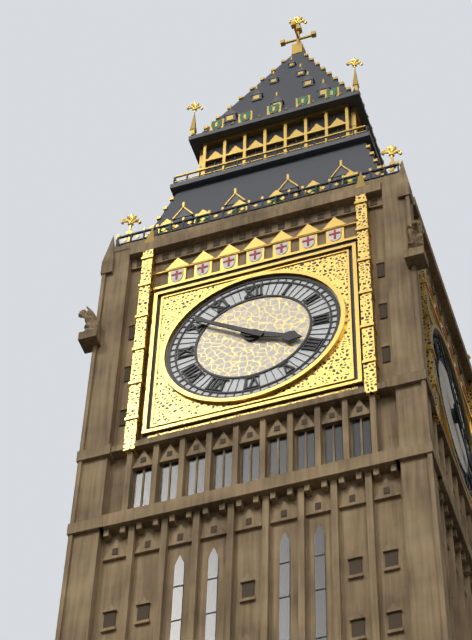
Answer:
3 h 51 min
